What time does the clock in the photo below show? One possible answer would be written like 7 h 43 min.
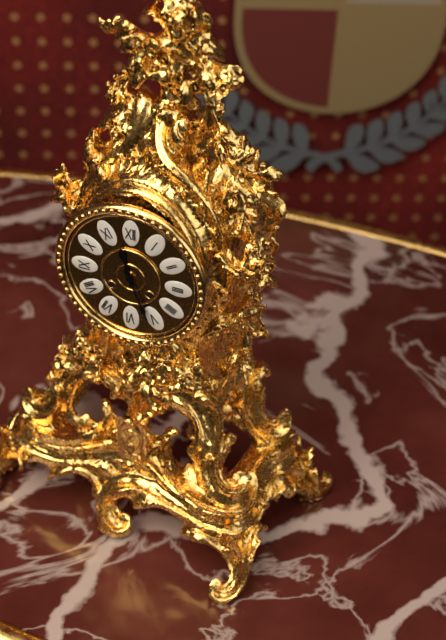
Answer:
11 h 26 min
